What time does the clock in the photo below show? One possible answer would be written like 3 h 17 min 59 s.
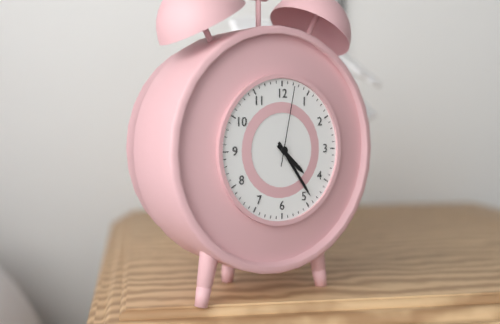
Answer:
4 h 24 min 02 s
